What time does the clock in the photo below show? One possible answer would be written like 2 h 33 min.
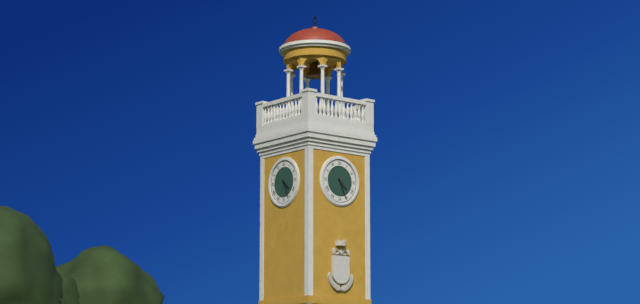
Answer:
4 h 26 min
